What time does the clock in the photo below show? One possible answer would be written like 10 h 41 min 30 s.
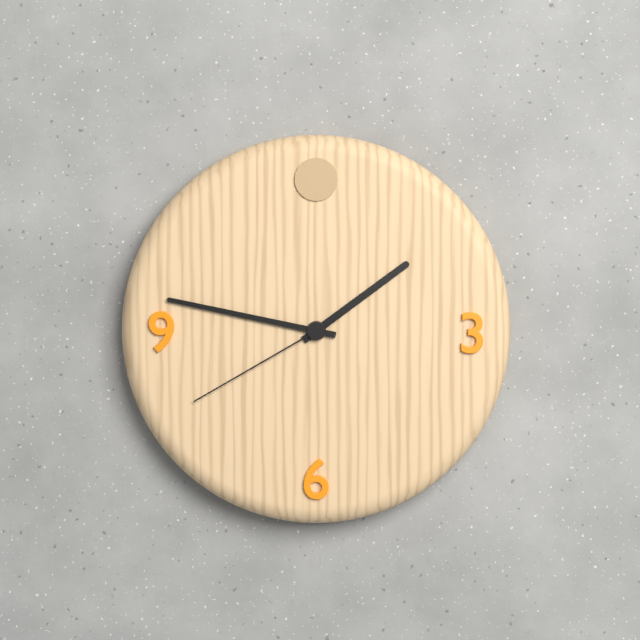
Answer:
1 h 47 min 40 s
